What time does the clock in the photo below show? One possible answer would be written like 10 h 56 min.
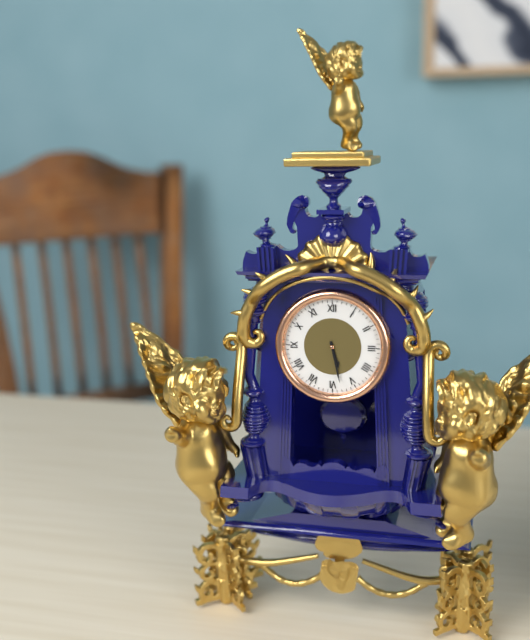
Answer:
5 h 28 min
